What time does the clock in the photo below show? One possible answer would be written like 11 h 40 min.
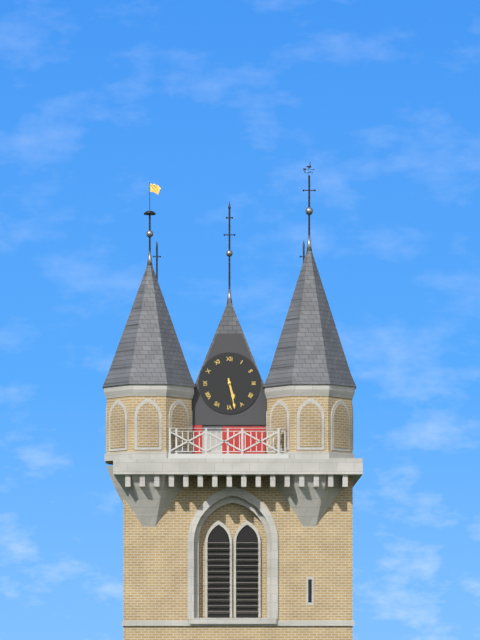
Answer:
5 h 28 min
